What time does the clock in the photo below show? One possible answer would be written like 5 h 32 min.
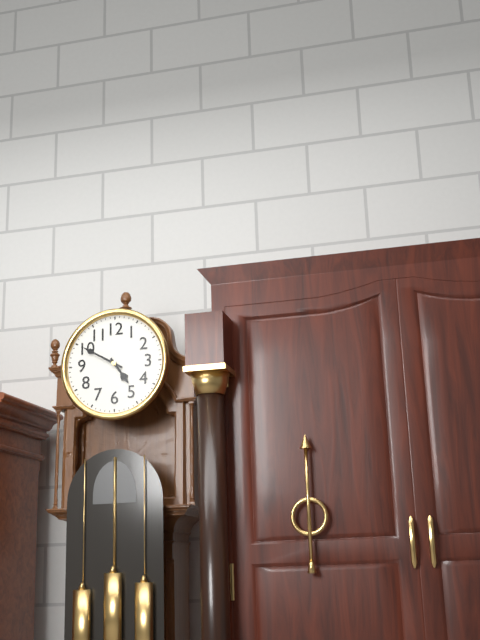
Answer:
4 h 50 min
